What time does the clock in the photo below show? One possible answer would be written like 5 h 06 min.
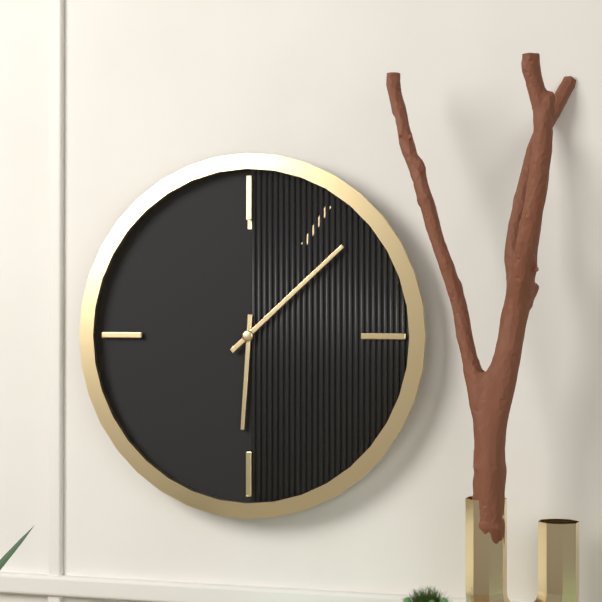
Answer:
6 h 08 min
